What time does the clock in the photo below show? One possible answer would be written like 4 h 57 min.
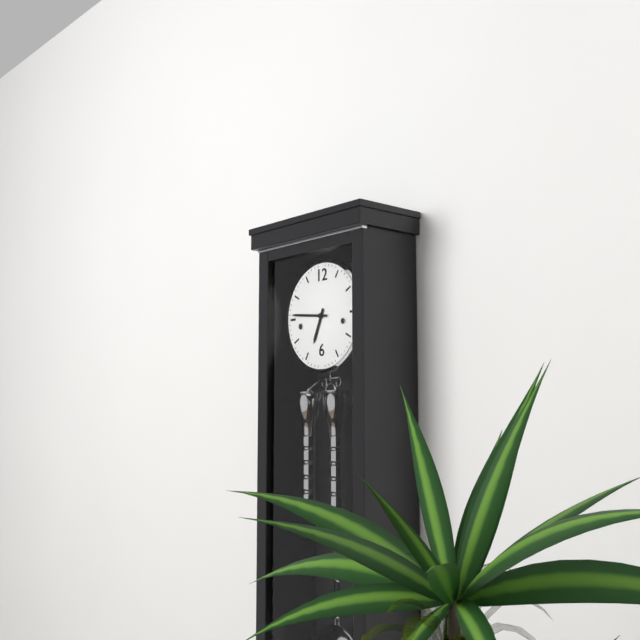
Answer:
6 h 46 min
